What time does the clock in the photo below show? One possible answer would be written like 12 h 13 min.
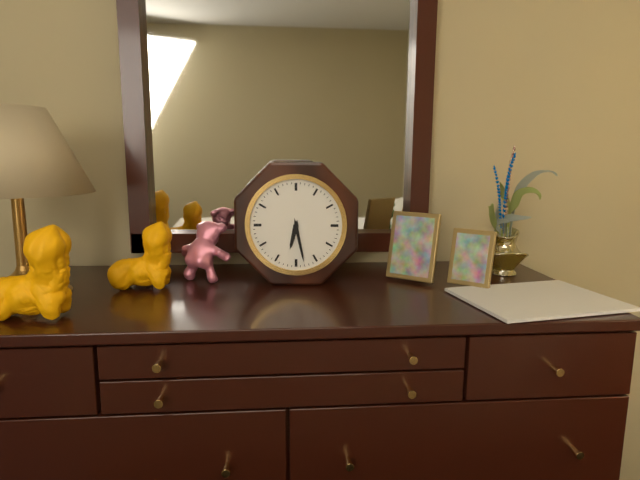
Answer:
6 h 28 min
